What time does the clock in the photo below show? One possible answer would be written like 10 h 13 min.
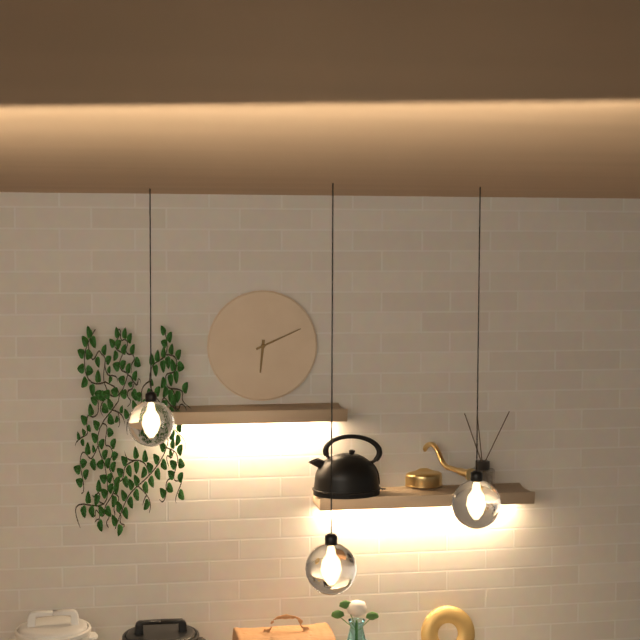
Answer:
6 h 11 min
